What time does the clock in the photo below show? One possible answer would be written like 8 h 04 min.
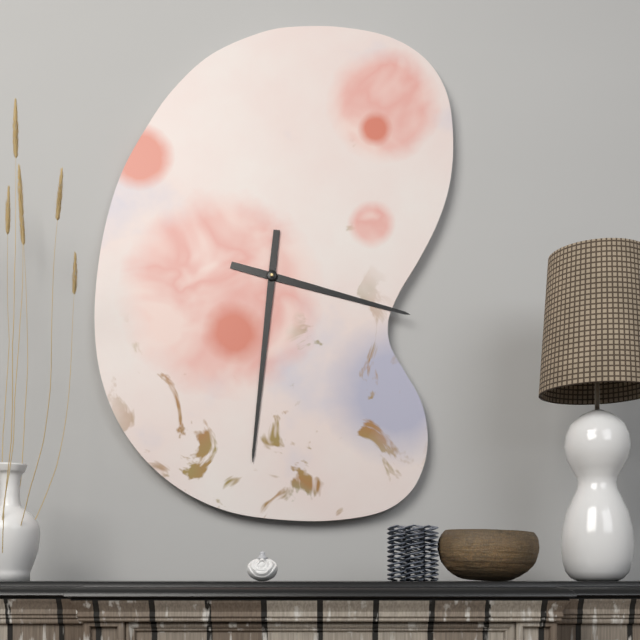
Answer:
3 h 31 min
